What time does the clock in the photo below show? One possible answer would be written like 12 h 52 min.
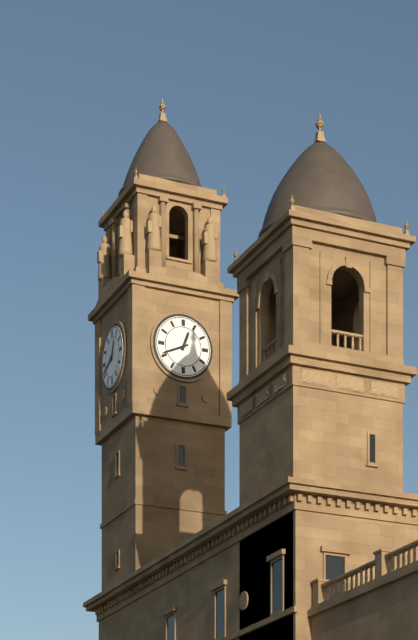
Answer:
12 h 41 min
